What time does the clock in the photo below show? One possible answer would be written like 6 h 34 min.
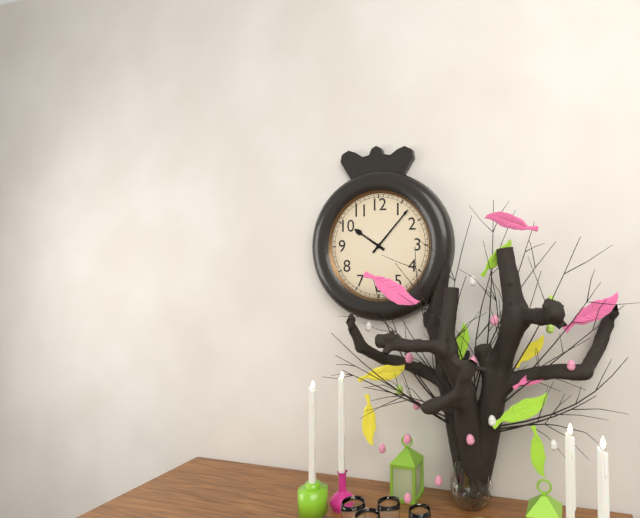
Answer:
10 h 07 min
